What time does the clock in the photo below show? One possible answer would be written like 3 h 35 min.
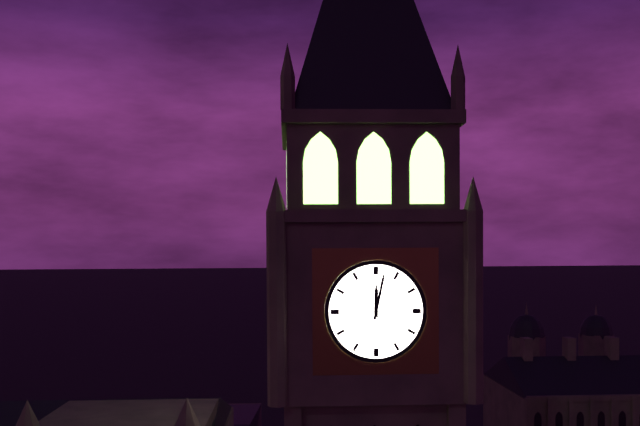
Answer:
12 h 02 min
